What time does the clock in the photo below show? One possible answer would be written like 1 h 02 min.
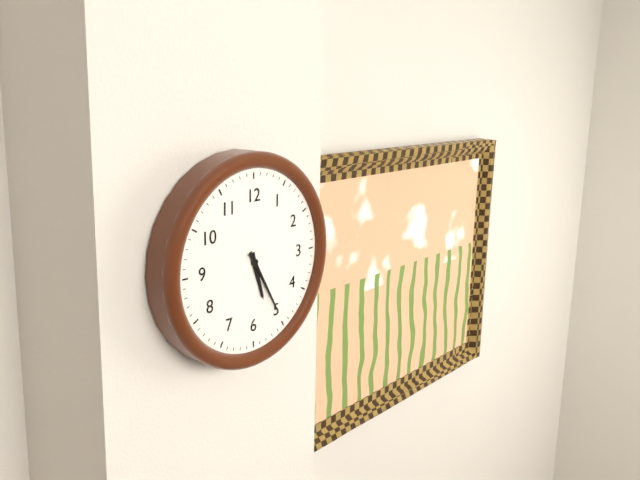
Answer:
5 h 25 min
